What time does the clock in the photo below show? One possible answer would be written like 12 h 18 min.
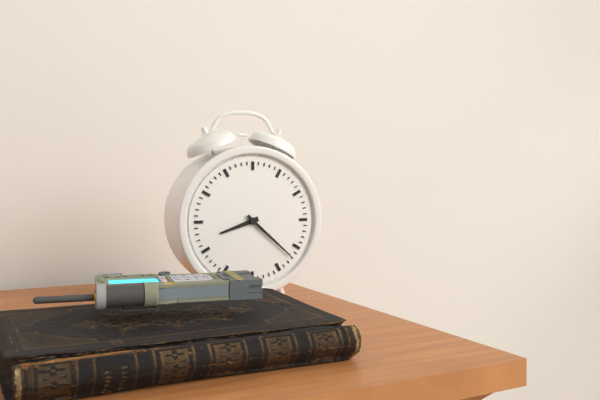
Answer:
8 h 22 min
